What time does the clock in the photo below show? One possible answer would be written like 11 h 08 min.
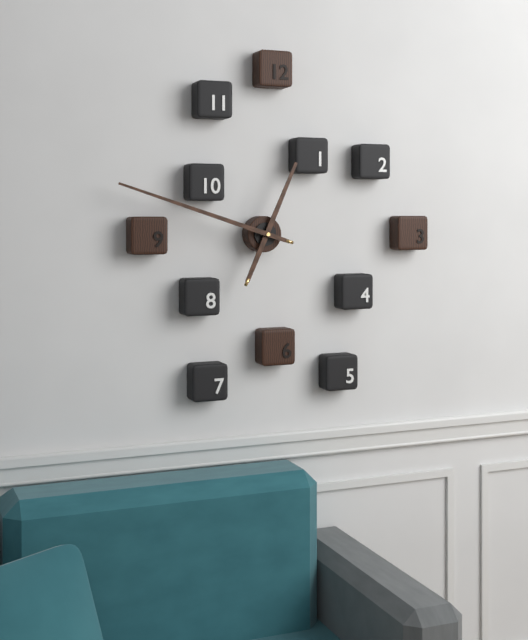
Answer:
12 h 48 min
